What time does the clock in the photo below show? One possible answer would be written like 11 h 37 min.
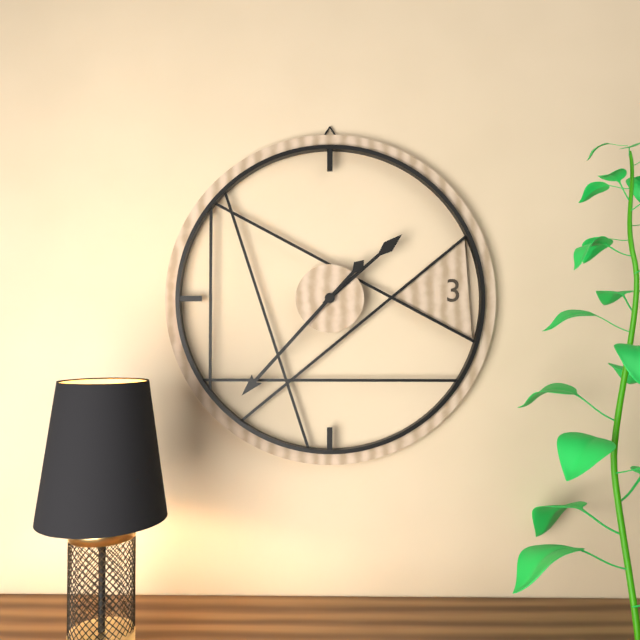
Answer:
1 h 37 min
